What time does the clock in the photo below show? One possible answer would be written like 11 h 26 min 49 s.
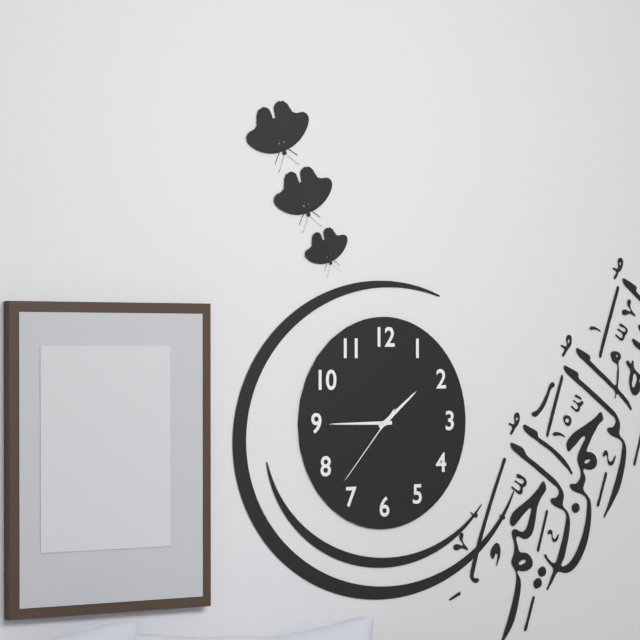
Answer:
1 h 45 min 37 s
